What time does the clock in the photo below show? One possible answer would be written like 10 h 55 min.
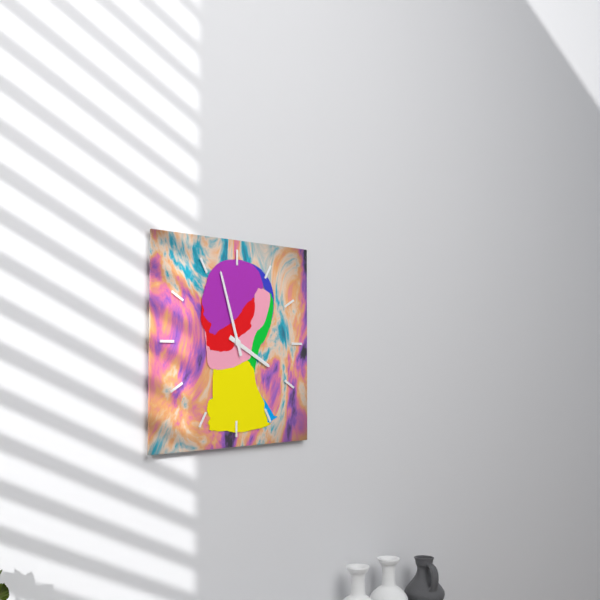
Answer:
3 h 57 min
